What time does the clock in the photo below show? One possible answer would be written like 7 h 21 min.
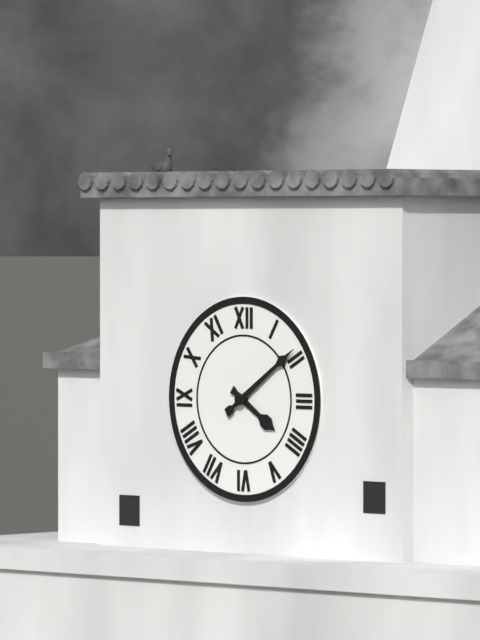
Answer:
4 h 09 min
